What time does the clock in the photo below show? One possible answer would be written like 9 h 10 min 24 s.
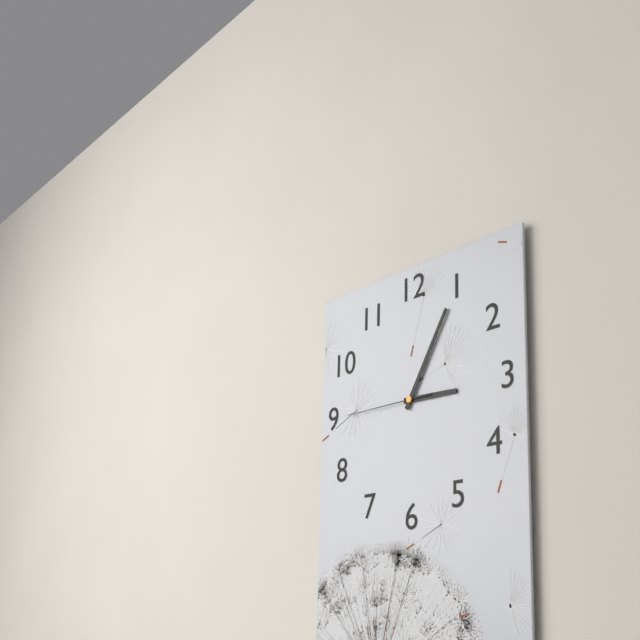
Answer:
3 h 05 min 45 s
